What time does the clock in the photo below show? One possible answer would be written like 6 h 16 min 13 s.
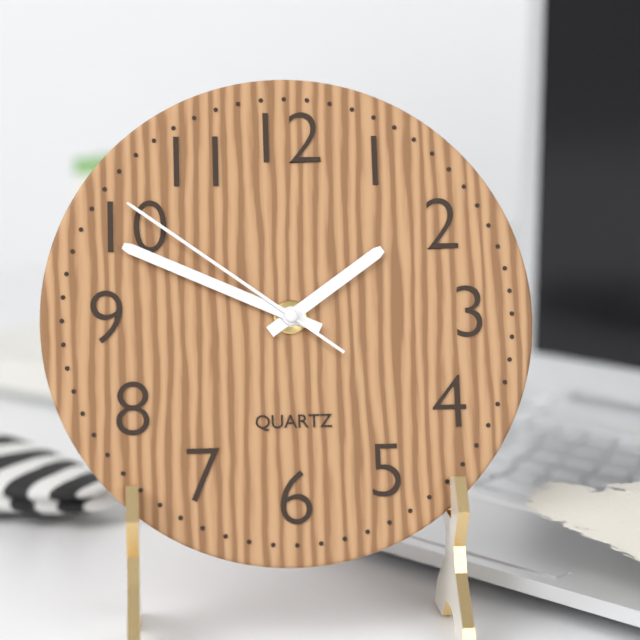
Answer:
1 h 49 min 51 s
